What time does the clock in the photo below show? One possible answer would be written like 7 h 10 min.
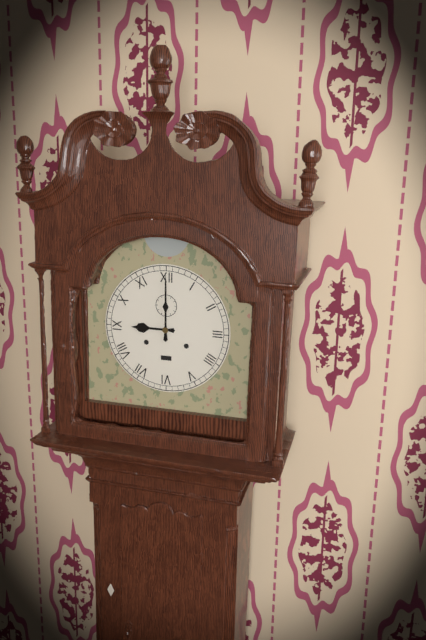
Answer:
9 h 00 min
